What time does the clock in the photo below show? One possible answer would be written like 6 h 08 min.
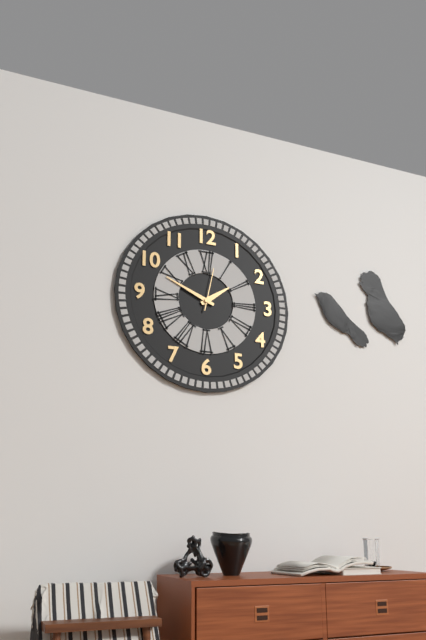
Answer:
1 h 49 min
